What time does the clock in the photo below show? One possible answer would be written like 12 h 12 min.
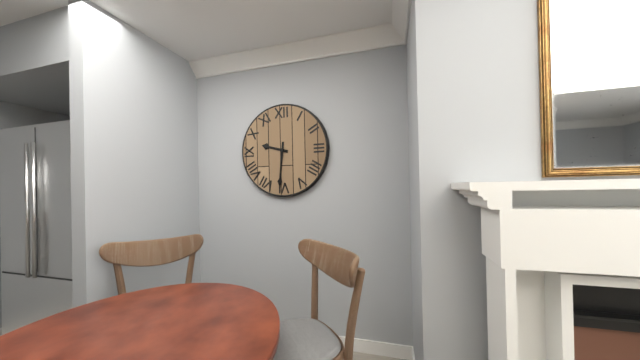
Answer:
9 h 31 min
